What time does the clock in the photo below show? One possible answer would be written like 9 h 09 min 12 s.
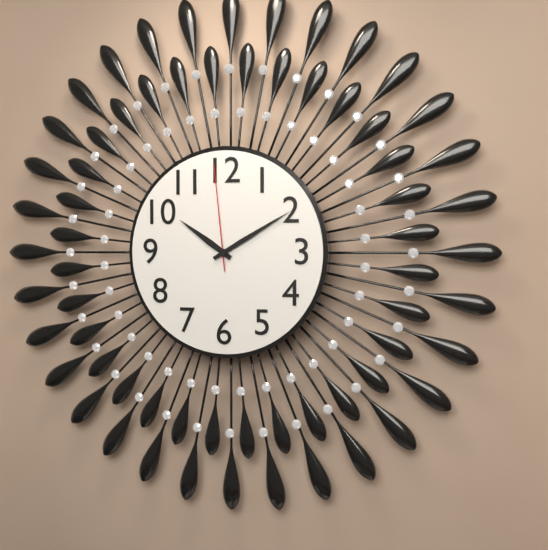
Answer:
10 h 10 min 59 s
